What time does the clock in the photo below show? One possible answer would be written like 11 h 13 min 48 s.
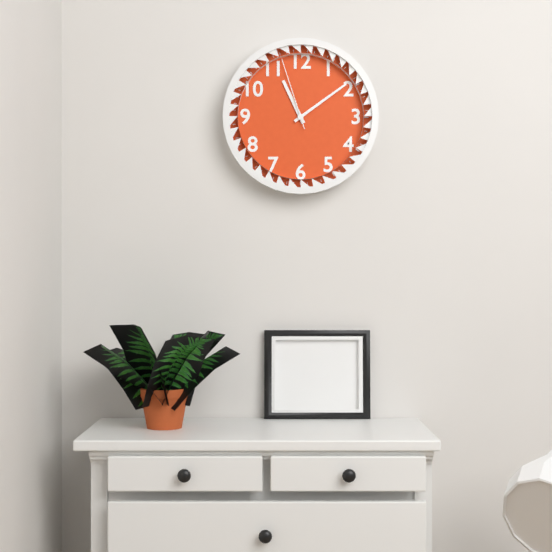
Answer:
11 h 09 min 57 s
